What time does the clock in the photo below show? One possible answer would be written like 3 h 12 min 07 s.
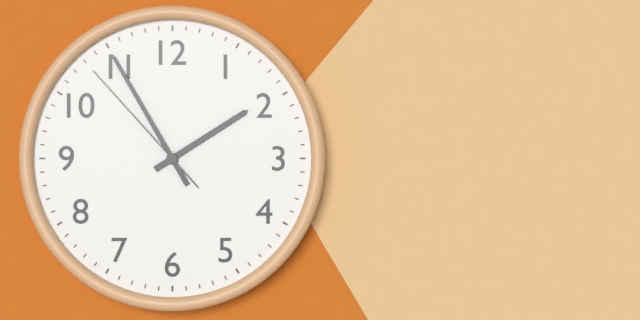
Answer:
1 h 55 min 53 s
